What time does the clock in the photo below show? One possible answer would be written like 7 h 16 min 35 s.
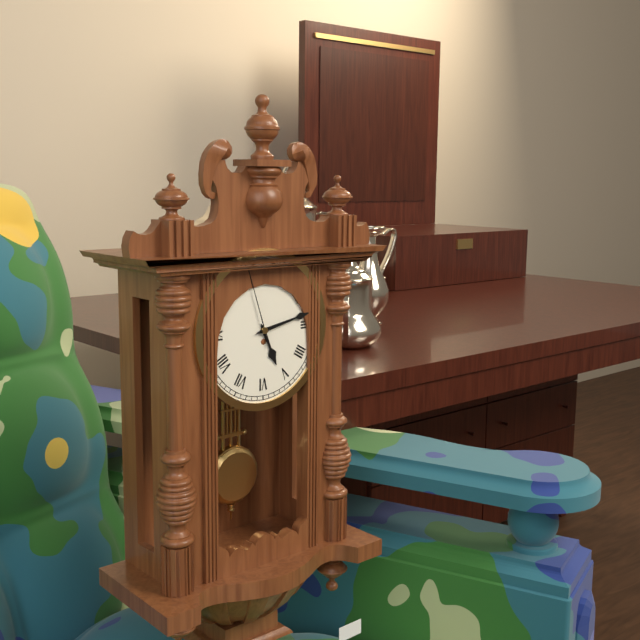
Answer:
5 h 13 min 57 s
